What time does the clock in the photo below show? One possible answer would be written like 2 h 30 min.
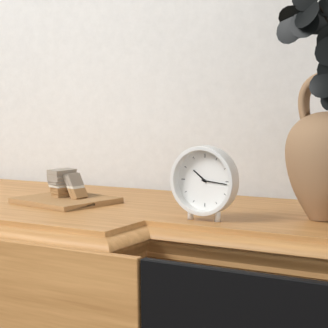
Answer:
10 h 16 min
